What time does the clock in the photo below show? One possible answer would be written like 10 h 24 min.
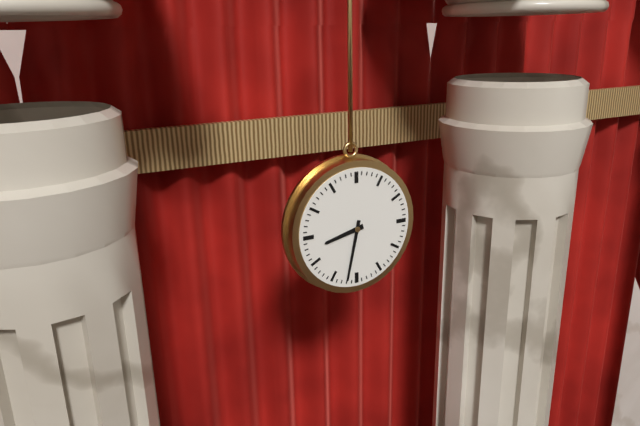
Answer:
8 h 32 min
